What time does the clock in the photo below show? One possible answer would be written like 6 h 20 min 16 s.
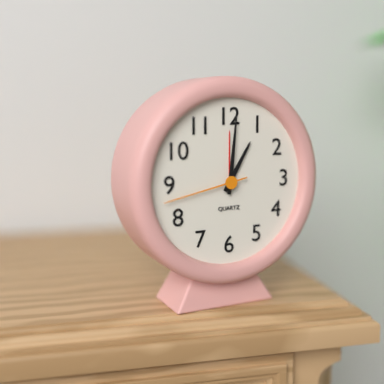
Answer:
1 h 01 min 43 s
